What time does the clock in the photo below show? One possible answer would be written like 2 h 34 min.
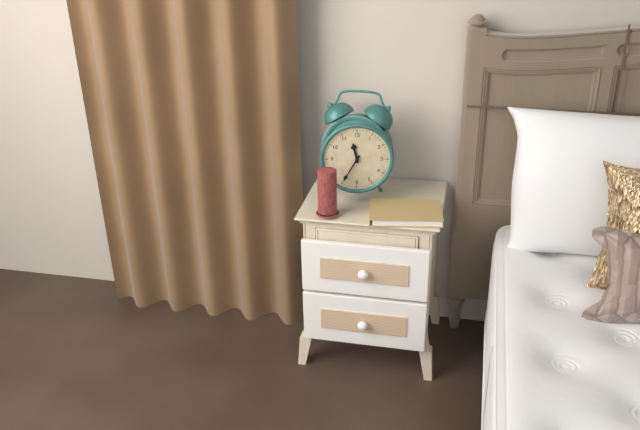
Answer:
11 h 35 min
